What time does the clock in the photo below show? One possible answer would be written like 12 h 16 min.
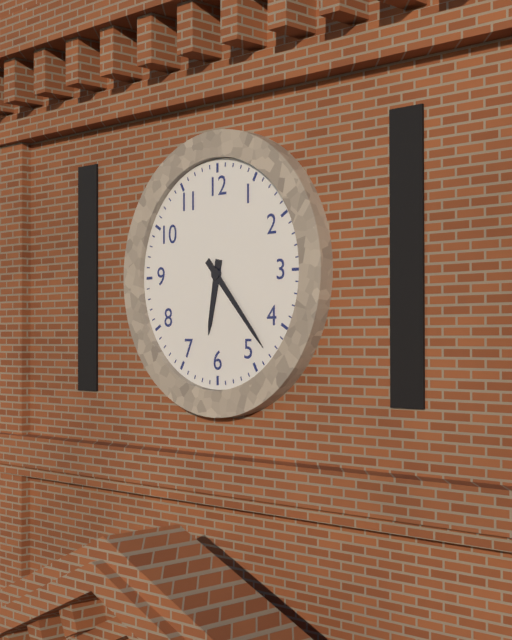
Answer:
6 h 23 min
